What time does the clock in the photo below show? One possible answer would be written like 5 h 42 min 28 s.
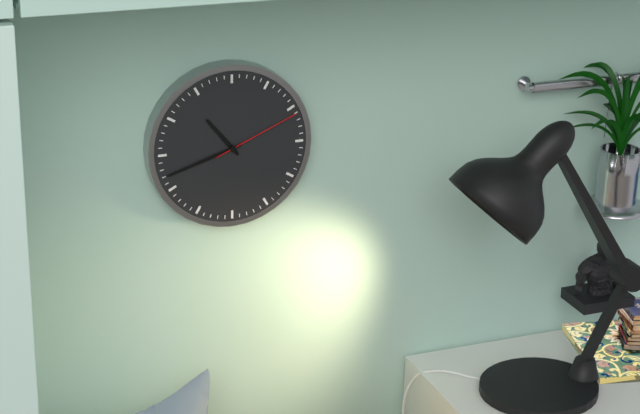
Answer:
10 h 42 min 11 s
